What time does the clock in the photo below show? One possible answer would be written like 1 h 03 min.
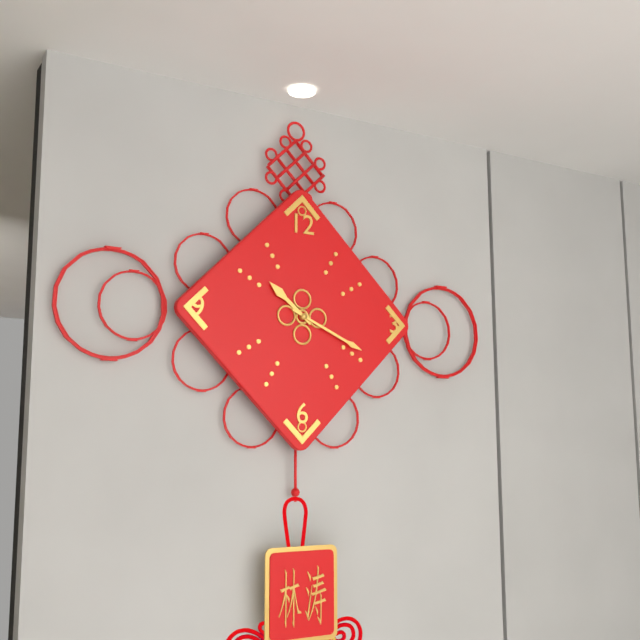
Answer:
10 h 19 min
